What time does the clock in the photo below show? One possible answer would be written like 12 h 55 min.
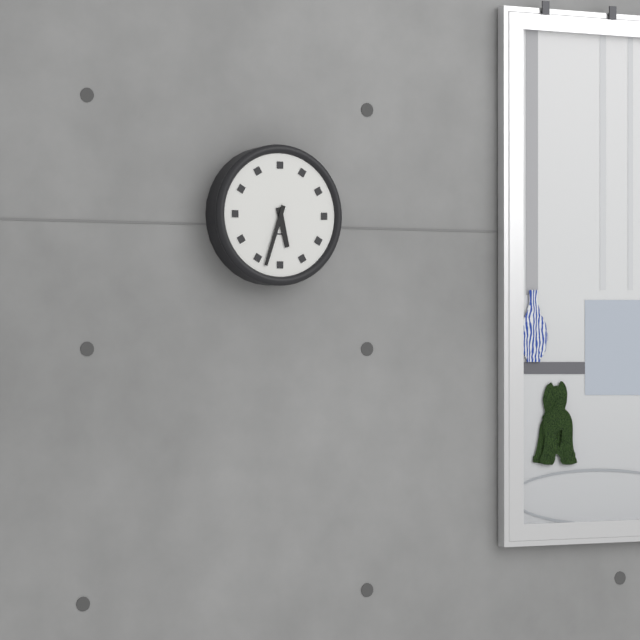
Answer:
5 h 33 min
